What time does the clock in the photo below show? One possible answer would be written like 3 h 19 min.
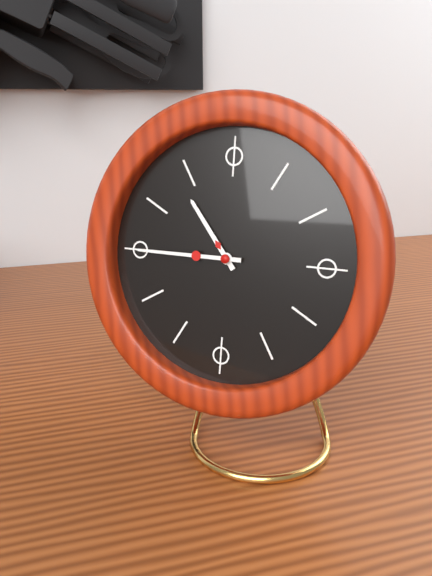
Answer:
10 h 45 min
